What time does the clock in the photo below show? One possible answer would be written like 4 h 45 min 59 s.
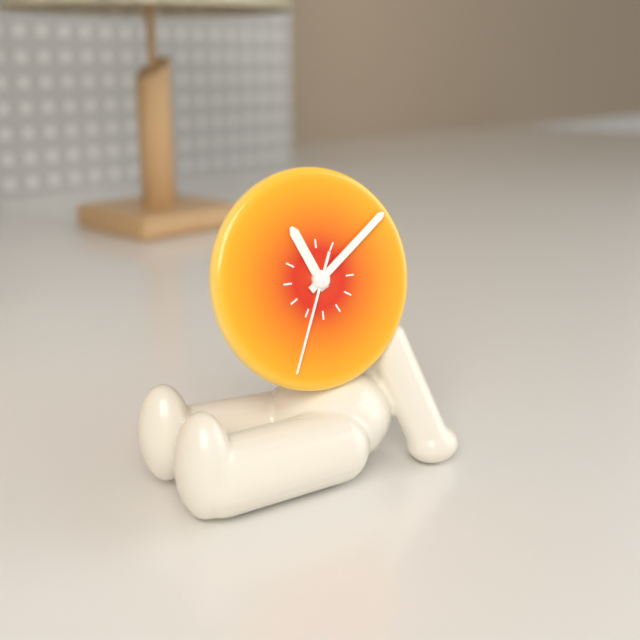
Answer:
11 h 09 min 34 s
